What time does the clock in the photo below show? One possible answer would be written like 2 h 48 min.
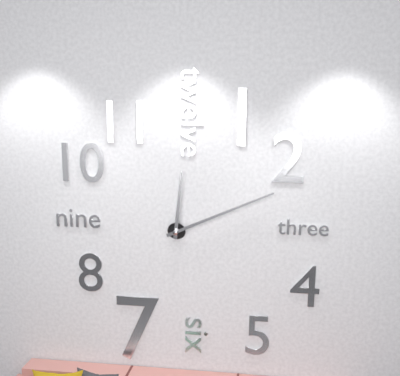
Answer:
12 h 11 min
